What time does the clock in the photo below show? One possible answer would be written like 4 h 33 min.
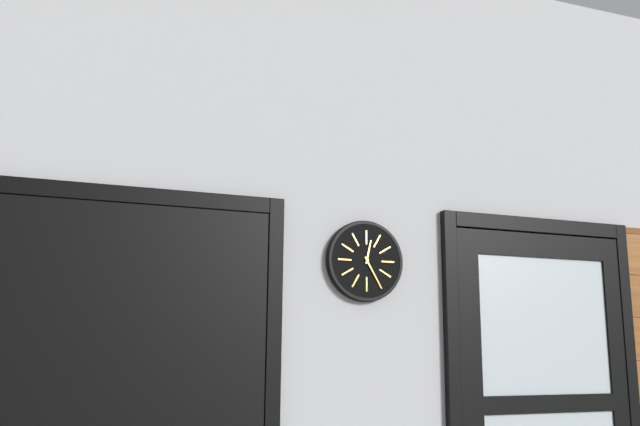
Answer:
12 h 25 min
